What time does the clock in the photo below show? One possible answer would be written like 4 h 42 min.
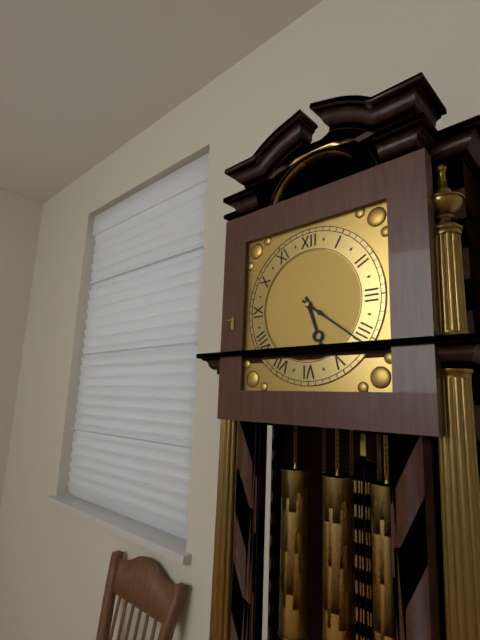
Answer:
5 h 21 min
